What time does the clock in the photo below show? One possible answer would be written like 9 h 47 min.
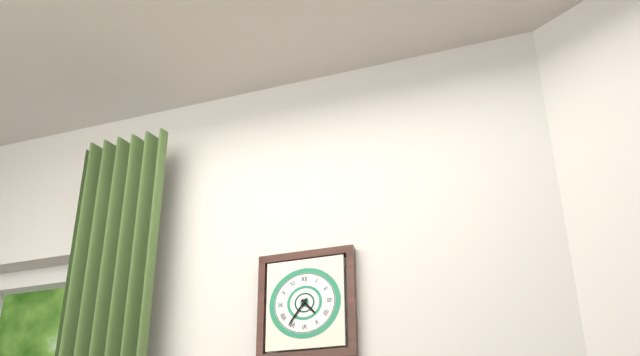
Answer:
4 h 36 min
